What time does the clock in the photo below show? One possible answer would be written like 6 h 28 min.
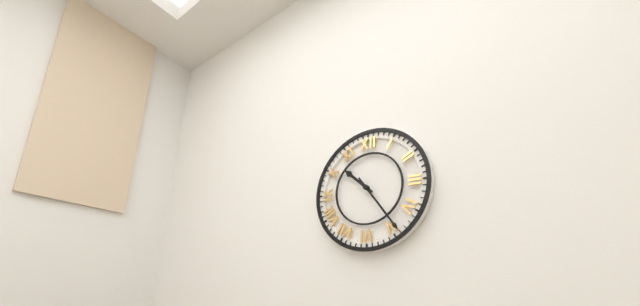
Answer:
10 h 24 min
